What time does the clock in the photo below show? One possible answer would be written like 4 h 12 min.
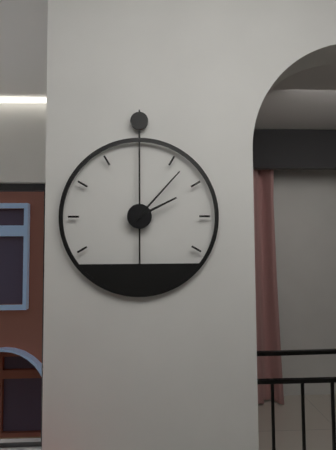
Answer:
2 h 07 min
